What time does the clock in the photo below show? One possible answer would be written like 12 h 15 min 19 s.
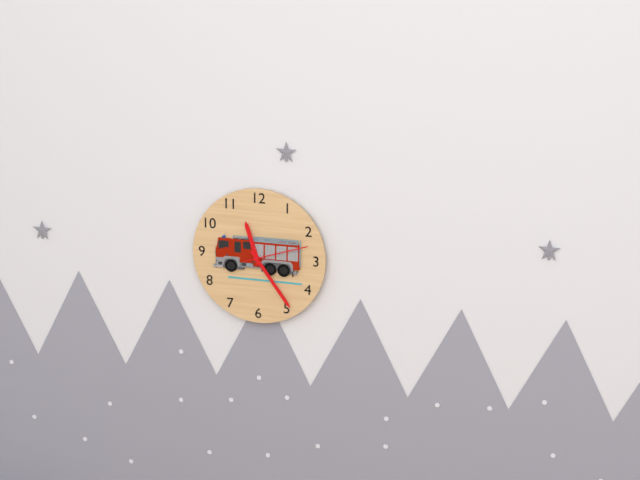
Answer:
11 h 24 min 12 s
